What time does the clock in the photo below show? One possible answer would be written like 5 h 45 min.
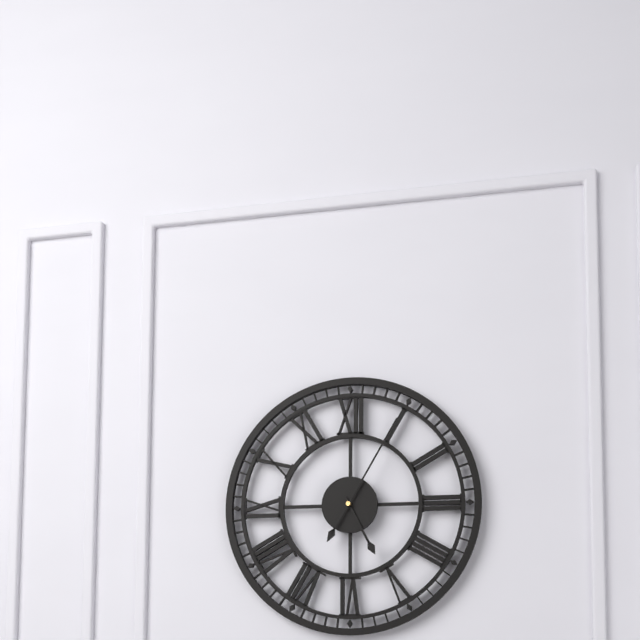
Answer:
5 h 05 min
